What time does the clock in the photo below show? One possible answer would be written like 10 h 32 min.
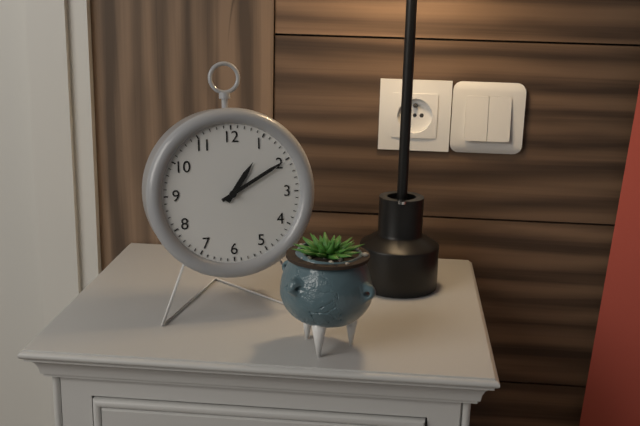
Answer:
1 h 10 min
